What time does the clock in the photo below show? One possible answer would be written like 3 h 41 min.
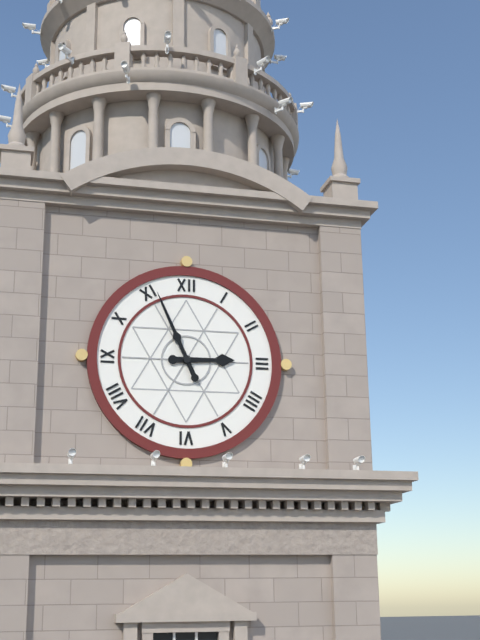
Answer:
2 h 56 min
